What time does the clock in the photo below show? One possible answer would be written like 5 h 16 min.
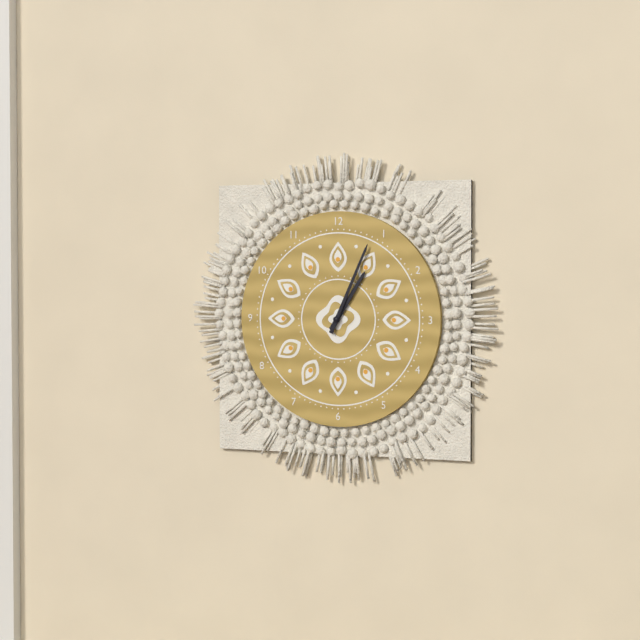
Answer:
1 h 04 min
